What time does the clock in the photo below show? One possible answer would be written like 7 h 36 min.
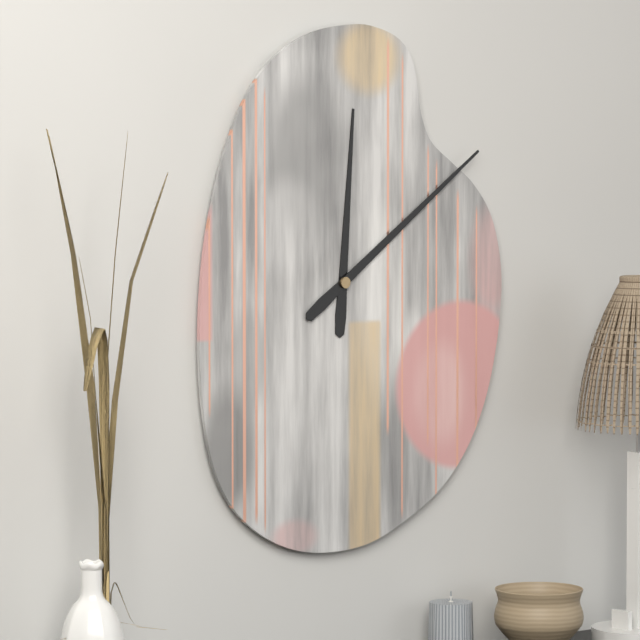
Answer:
12 h 09 min
